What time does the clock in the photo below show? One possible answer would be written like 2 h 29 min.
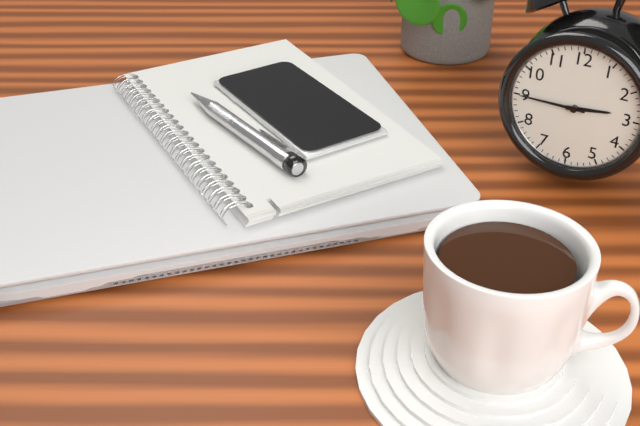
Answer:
2 h 45 min
